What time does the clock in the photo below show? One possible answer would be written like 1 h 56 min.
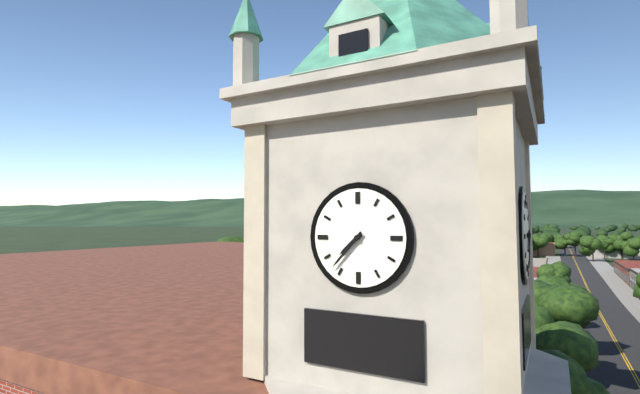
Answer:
7 h 37 min
